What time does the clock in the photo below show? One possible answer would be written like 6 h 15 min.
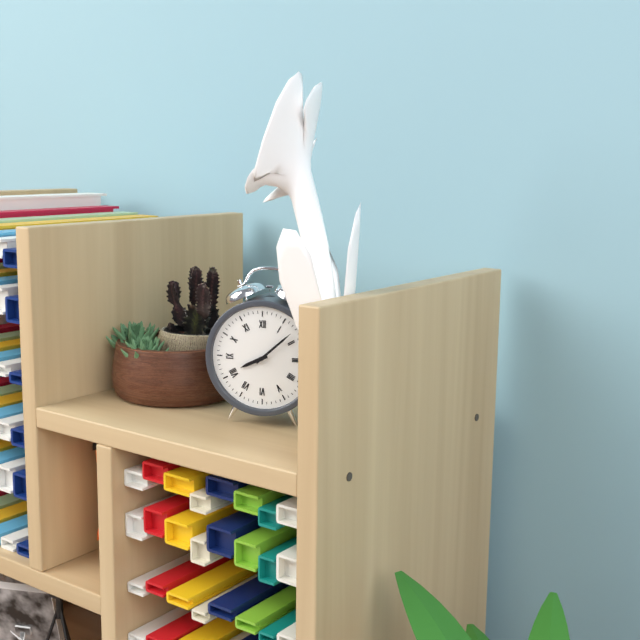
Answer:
8 h 08 min
